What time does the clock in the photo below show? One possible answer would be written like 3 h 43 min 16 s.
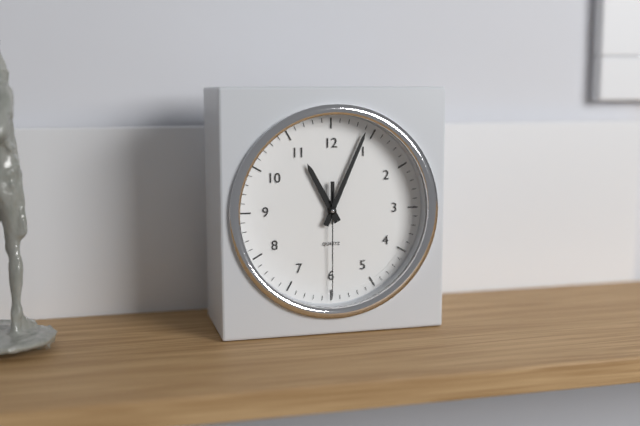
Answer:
11 h 04 min 30 s
